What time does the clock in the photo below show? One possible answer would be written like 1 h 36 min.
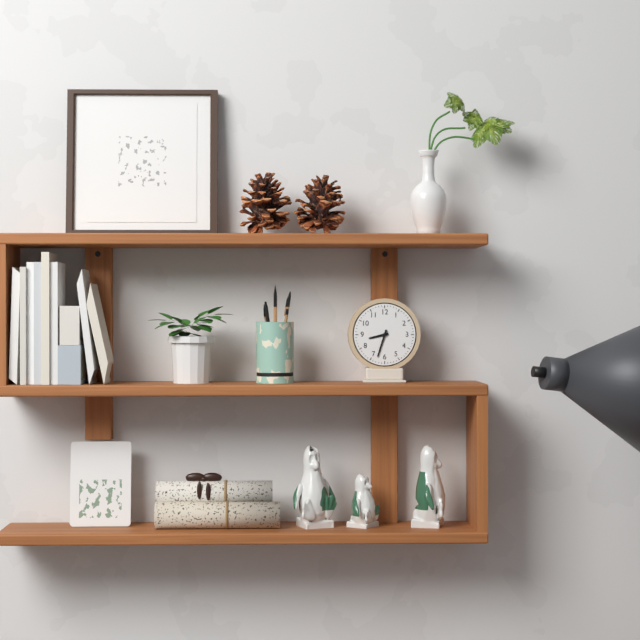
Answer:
8 h 33 min
